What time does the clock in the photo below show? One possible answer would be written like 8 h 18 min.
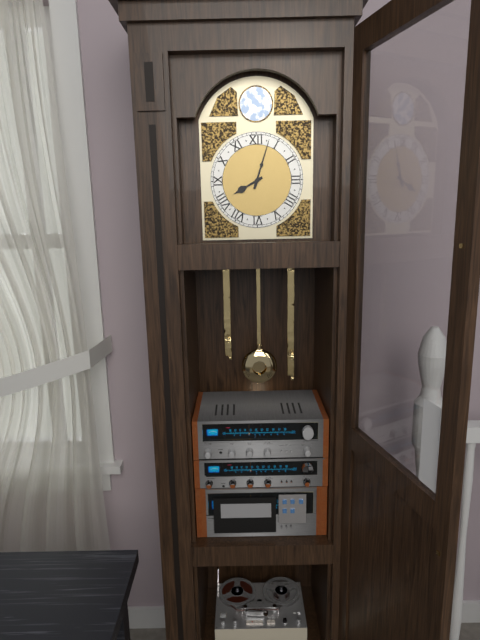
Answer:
8 h 03 min
